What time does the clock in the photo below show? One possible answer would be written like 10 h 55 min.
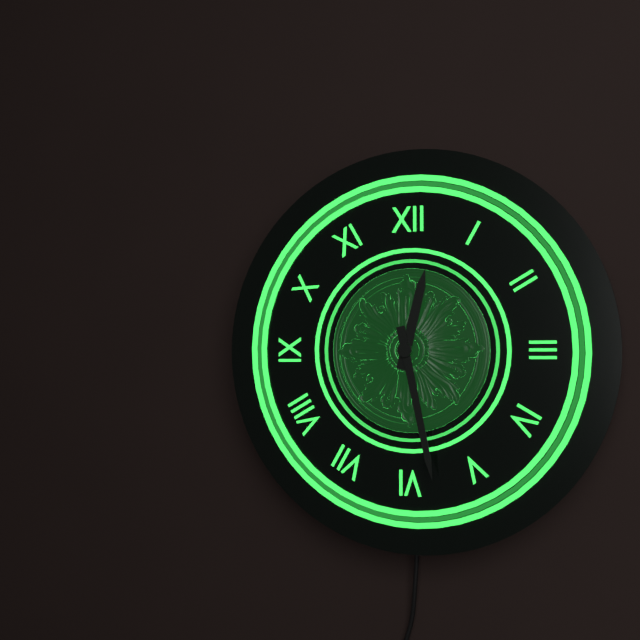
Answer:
12 h 28 min
